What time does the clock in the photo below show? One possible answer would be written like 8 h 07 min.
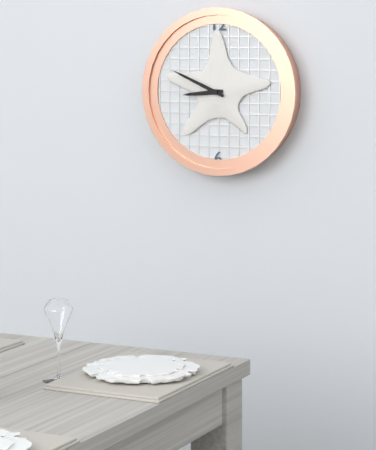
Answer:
8 h 49 min
